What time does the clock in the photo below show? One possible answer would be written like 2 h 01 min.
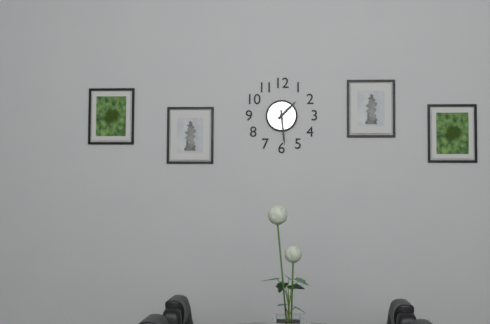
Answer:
1 h 29 min
